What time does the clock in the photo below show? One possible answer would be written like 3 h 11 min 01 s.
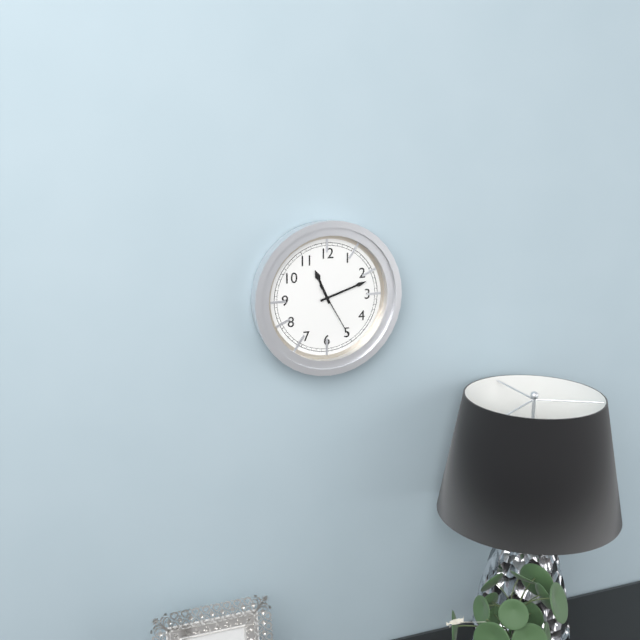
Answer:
11 h 12 min 25 s
